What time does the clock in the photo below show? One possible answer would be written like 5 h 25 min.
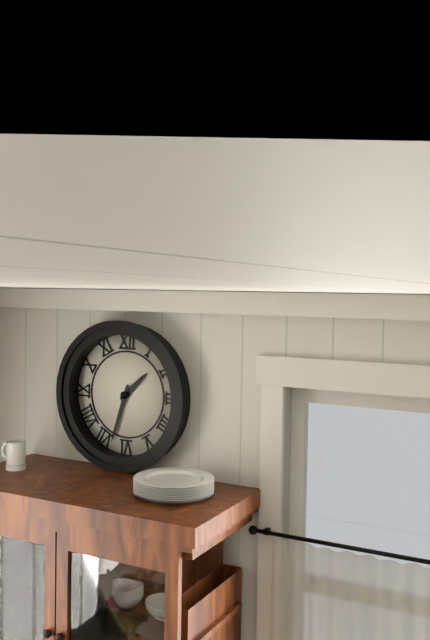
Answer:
1 h 33 min
